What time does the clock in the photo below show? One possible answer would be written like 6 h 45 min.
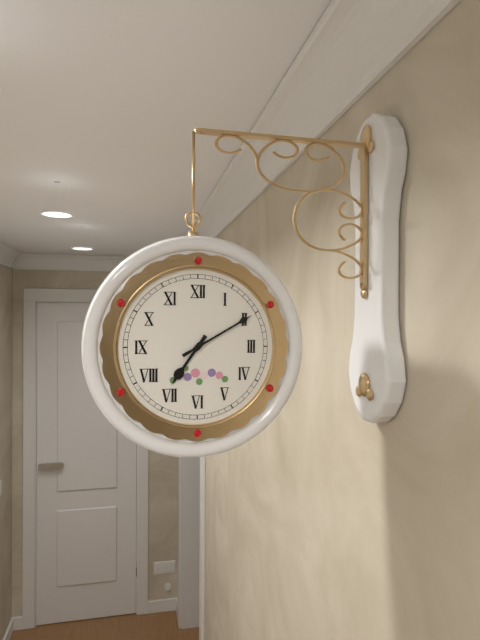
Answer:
7 h 10 min
